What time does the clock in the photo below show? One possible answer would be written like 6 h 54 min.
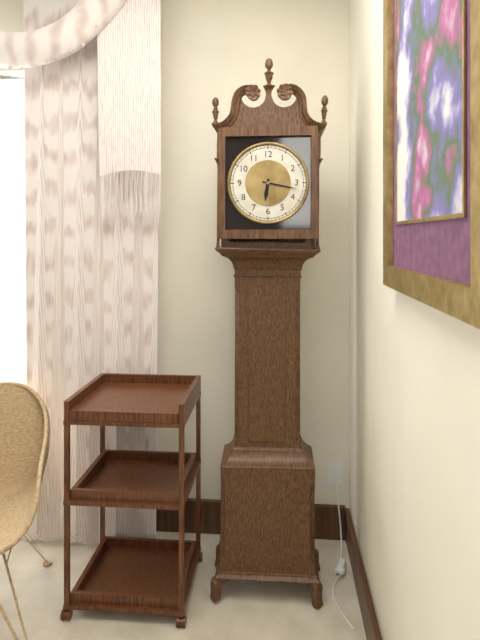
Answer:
6 h 17 min
